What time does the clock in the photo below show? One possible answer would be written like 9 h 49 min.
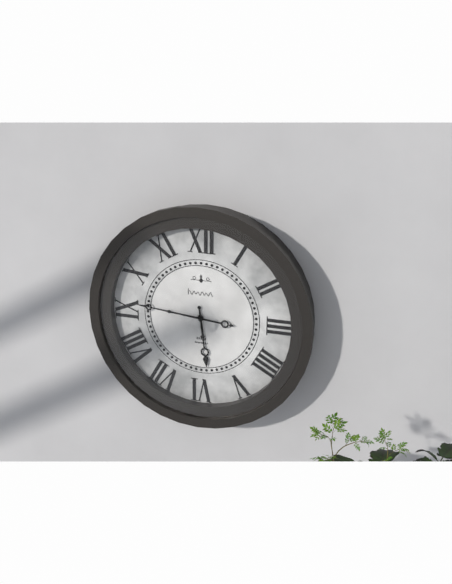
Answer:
5 h 46 min
